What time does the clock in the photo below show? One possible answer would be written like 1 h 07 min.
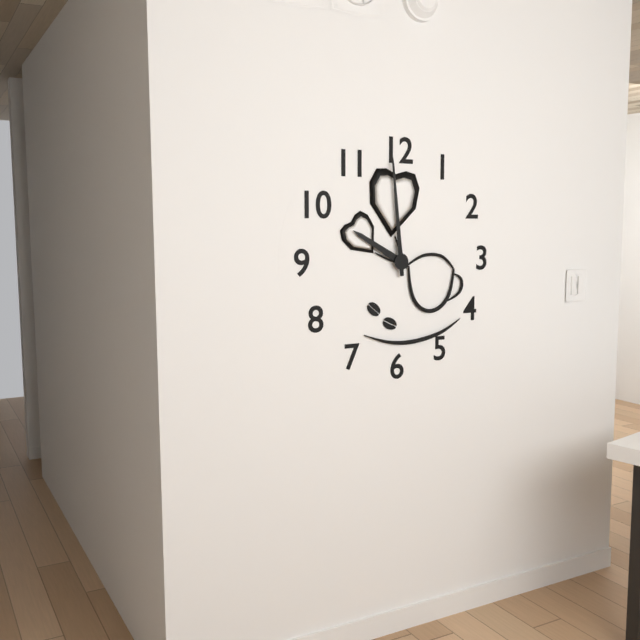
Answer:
9 h 59 min
